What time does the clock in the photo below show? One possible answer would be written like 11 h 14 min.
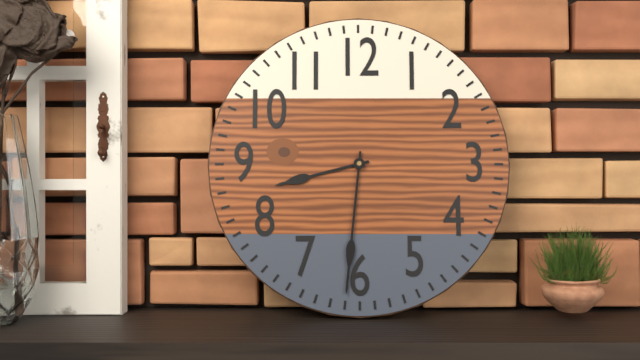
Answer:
8 h 31 min
